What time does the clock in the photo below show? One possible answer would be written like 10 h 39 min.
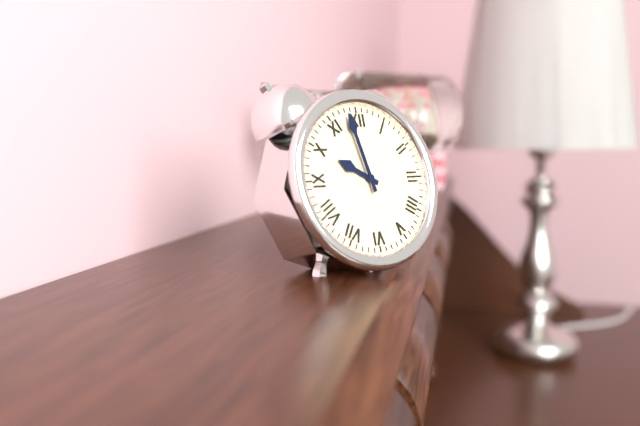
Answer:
9 h 58 min
